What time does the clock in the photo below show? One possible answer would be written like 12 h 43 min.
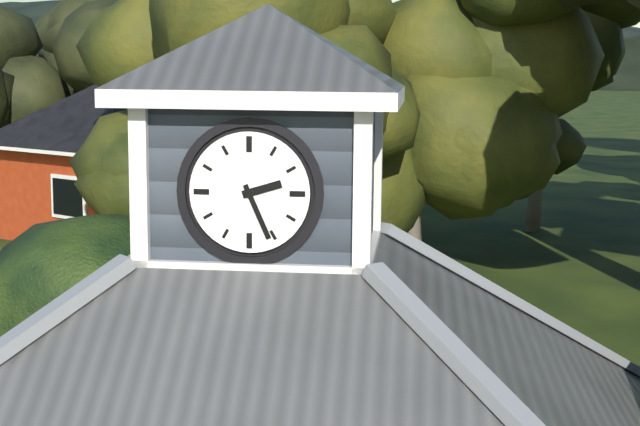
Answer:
2 h 26 min
